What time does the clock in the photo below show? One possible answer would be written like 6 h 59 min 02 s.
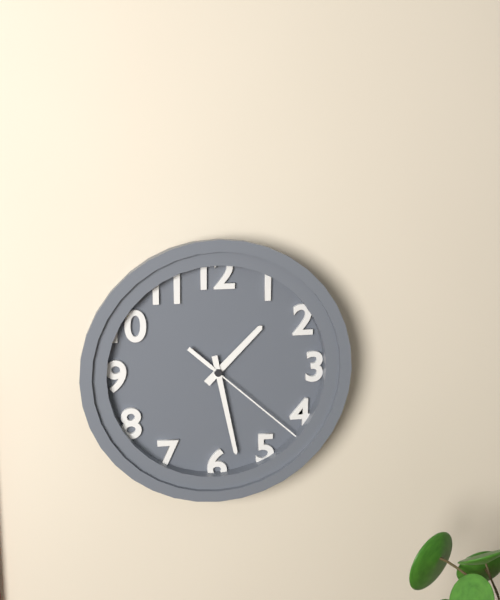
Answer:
1 h 28 min 22 s
